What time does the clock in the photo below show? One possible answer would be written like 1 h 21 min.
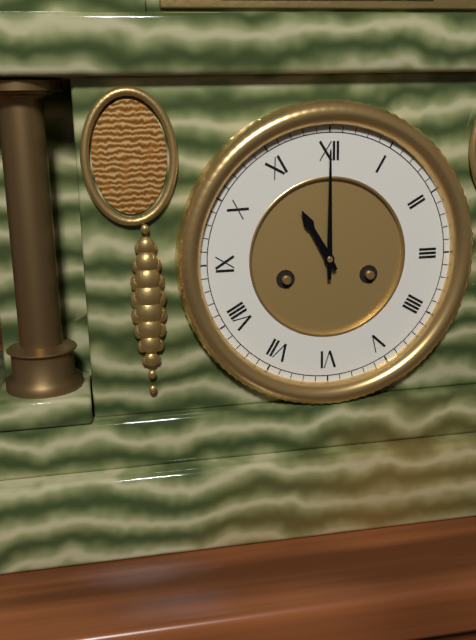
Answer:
11 h 00 min
